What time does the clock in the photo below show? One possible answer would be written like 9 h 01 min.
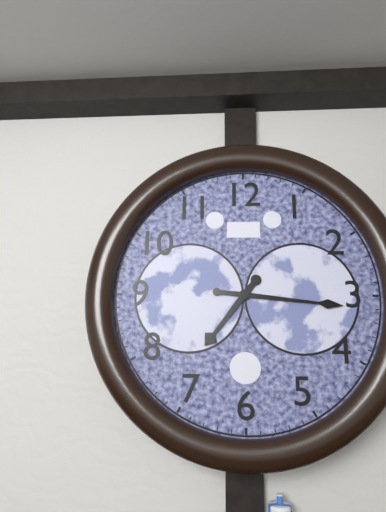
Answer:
7 h 16 min
